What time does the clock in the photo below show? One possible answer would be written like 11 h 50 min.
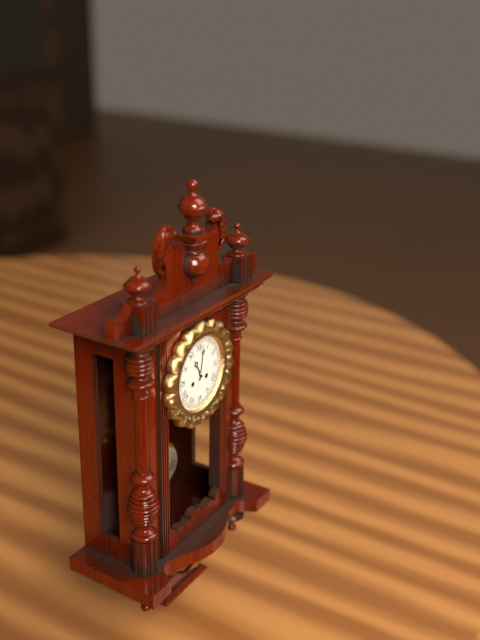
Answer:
11 h 02 min
